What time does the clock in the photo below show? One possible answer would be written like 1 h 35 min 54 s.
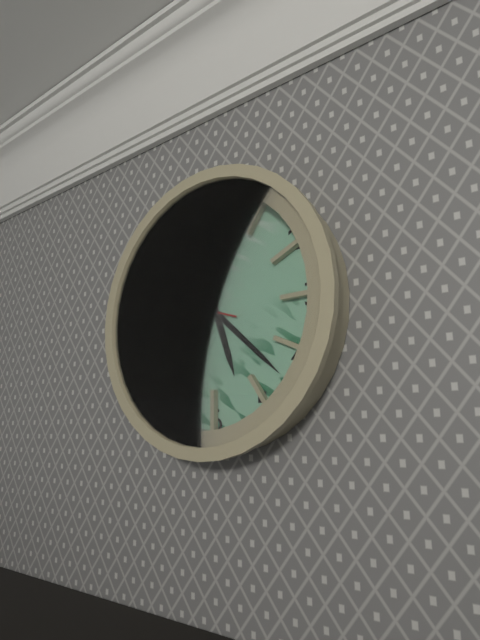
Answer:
5 h 22 min 48 s
